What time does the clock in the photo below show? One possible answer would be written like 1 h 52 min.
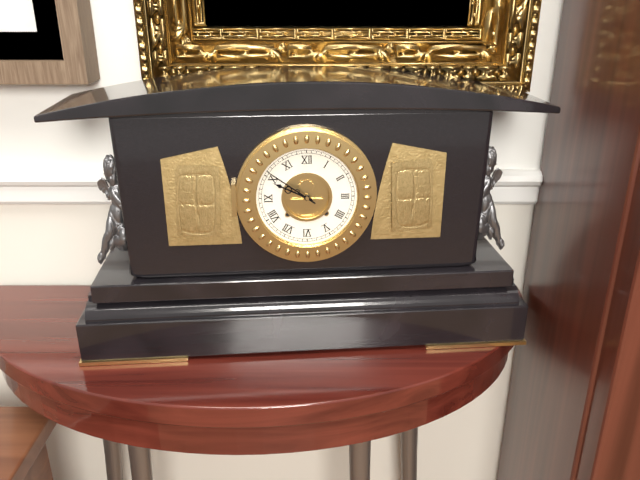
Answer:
9 h 51 min
